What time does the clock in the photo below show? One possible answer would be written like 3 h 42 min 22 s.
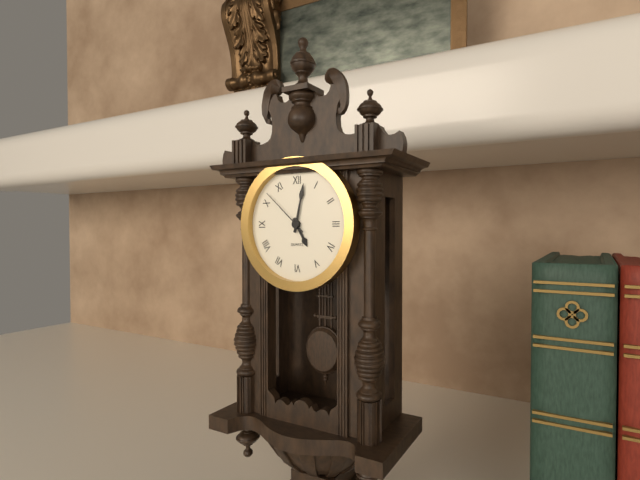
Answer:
5 h 02 min 52 s
